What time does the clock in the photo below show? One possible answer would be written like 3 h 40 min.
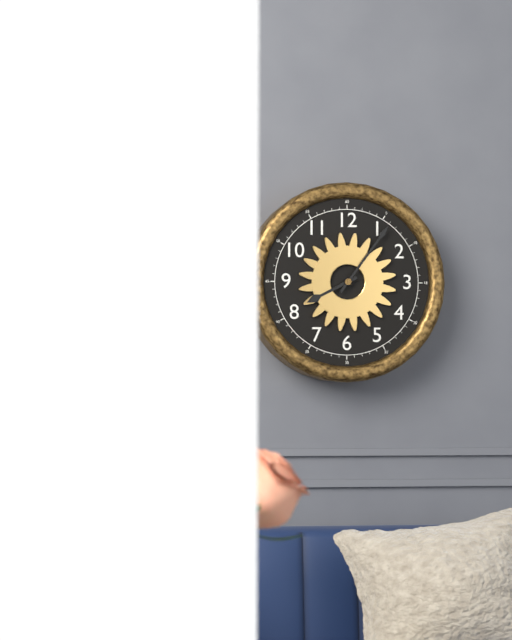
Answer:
8 h 06 min
